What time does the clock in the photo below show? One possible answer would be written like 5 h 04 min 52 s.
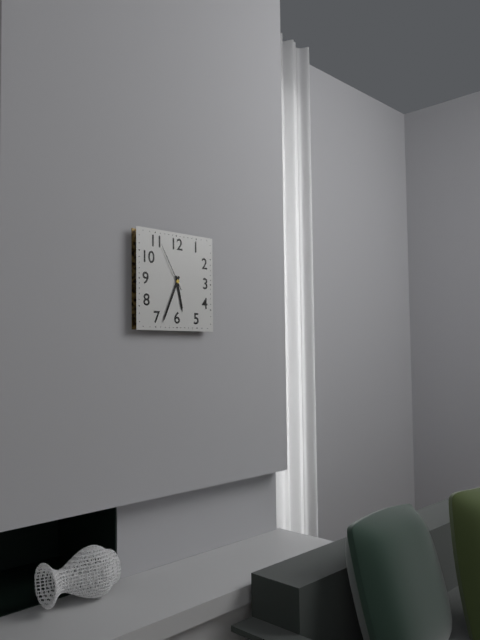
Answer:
5 h 34 min 55 s
